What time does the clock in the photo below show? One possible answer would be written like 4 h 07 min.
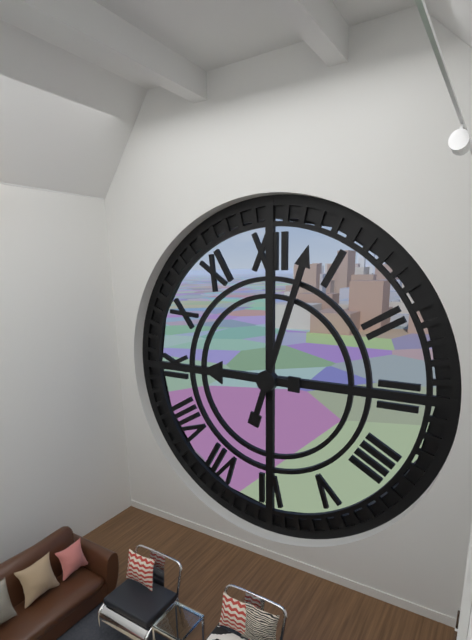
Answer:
9 h 03 min
